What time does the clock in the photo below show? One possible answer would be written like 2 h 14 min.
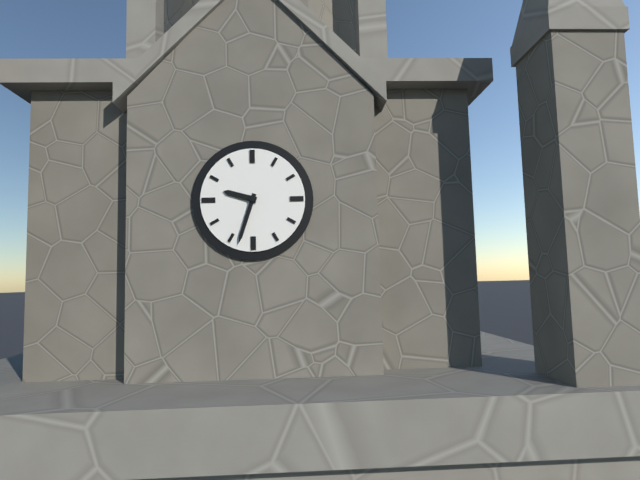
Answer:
9 h 33 min
